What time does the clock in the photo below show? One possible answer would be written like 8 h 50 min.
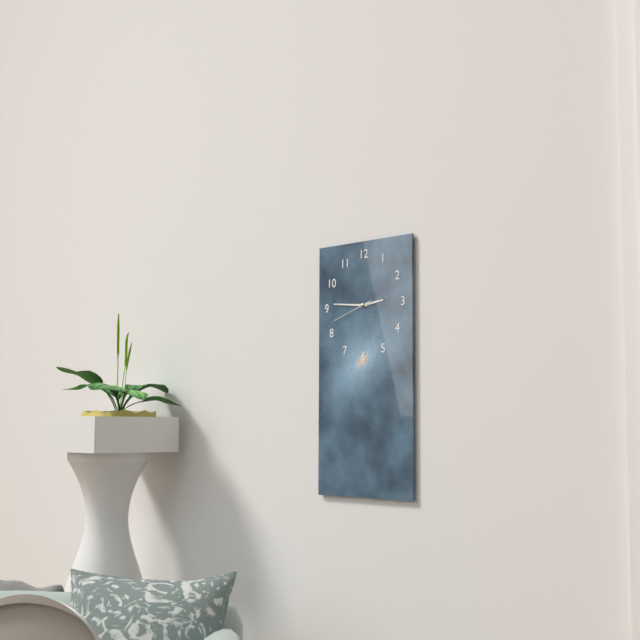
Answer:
2 h 46 min
